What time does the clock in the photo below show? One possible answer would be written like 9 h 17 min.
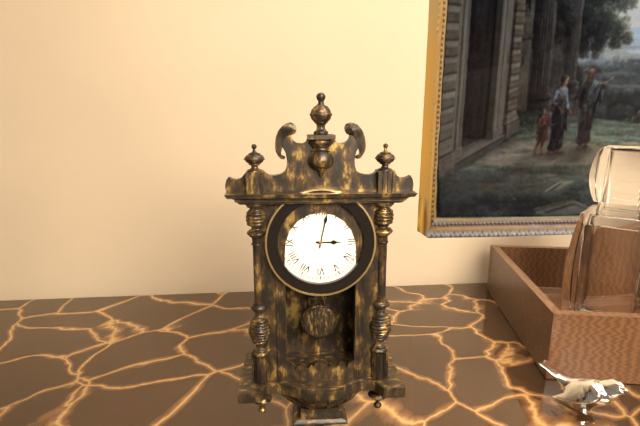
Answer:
3 h 02 min
